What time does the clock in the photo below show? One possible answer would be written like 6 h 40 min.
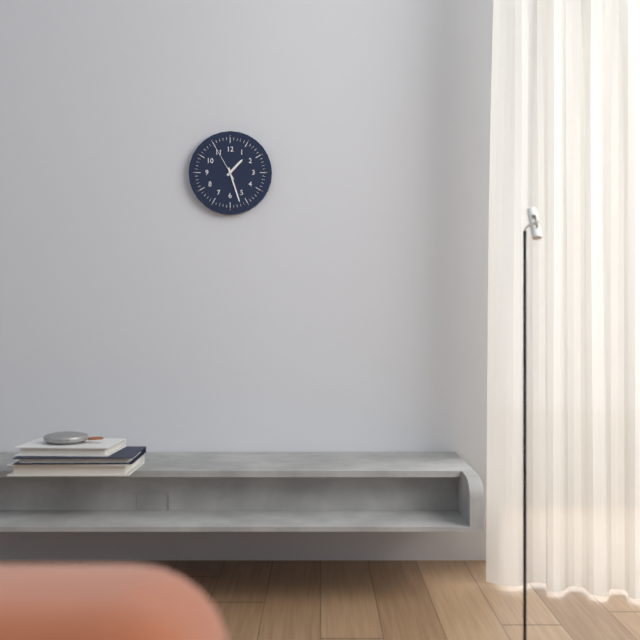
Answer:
1 h 27 min
